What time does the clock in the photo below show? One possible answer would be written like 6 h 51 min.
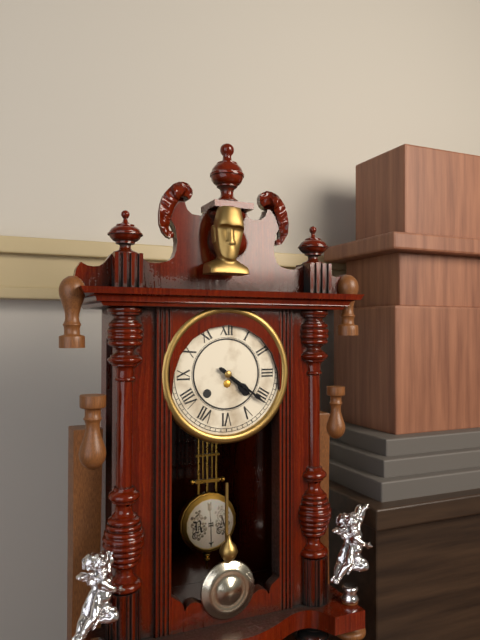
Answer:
4 h 21 min
